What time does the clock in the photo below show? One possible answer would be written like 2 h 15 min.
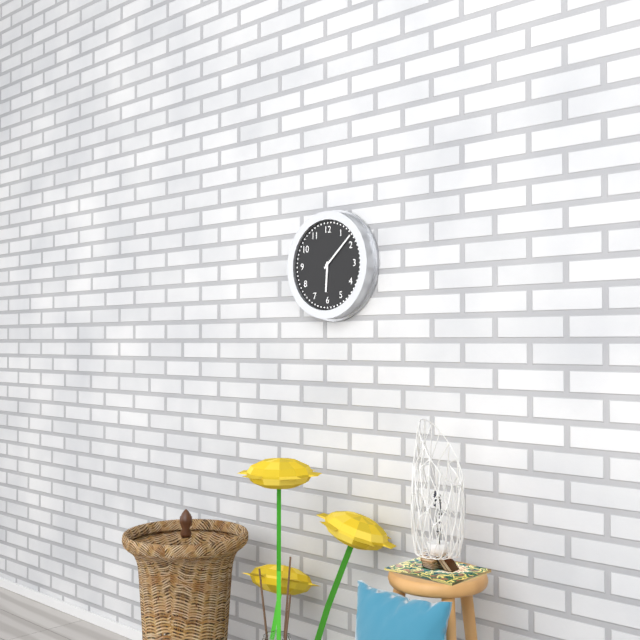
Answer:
6 h 08 min
